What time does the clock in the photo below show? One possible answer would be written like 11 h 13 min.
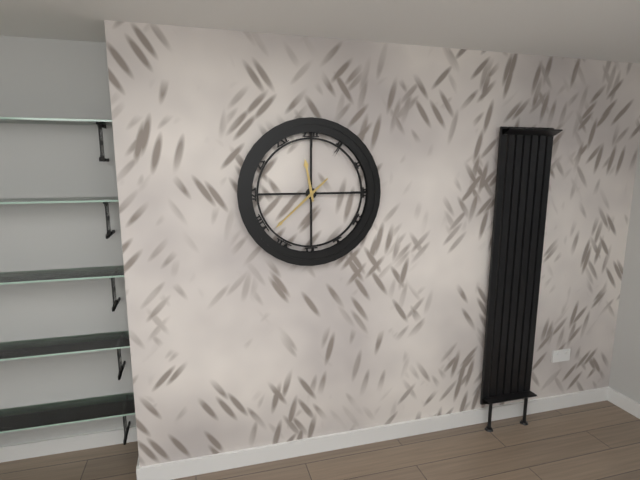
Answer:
11 h 38 min
